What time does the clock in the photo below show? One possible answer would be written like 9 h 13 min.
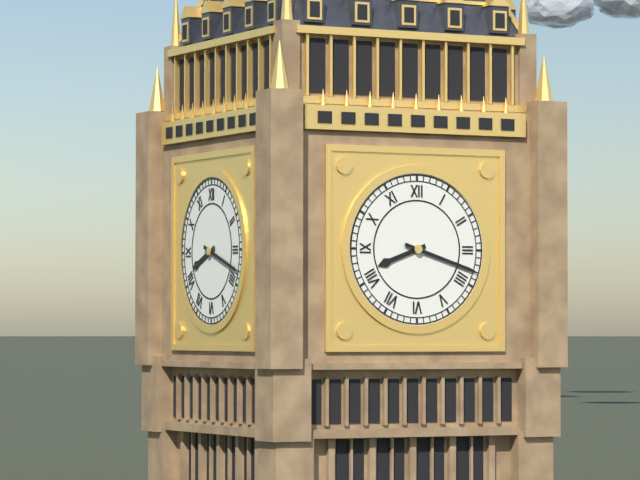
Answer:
8 h 18 min
